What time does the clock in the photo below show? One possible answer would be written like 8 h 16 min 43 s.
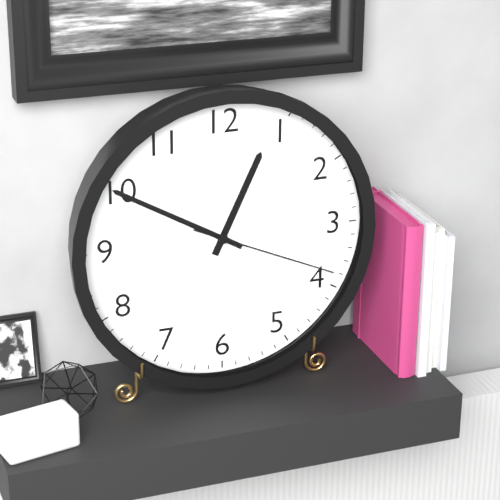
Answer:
12 h 50 min 19 s
